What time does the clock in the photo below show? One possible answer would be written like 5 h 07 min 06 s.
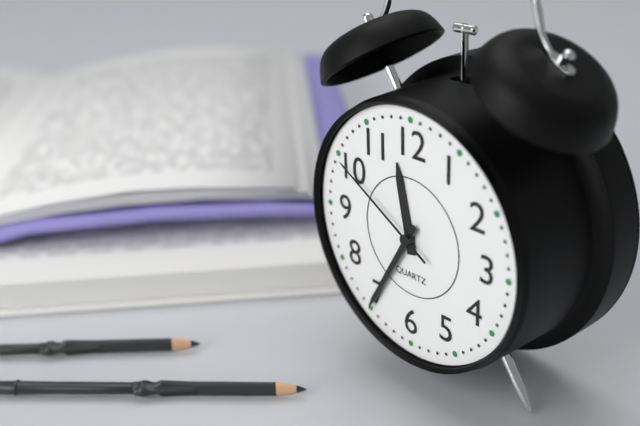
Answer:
11 h 35 min 50 s
